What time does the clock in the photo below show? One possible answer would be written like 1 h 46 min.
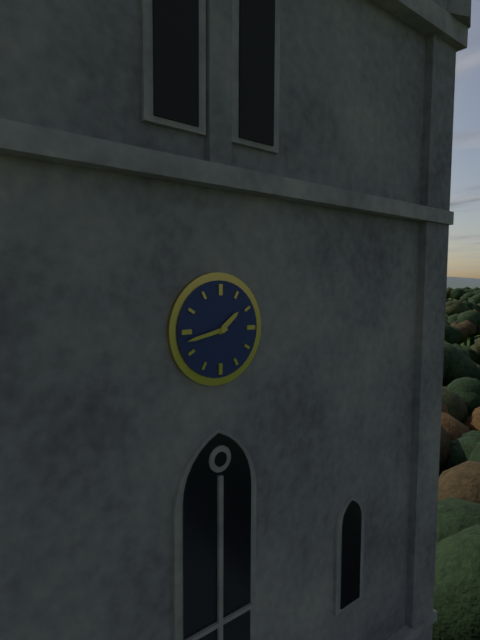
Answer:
1 h 43 min
